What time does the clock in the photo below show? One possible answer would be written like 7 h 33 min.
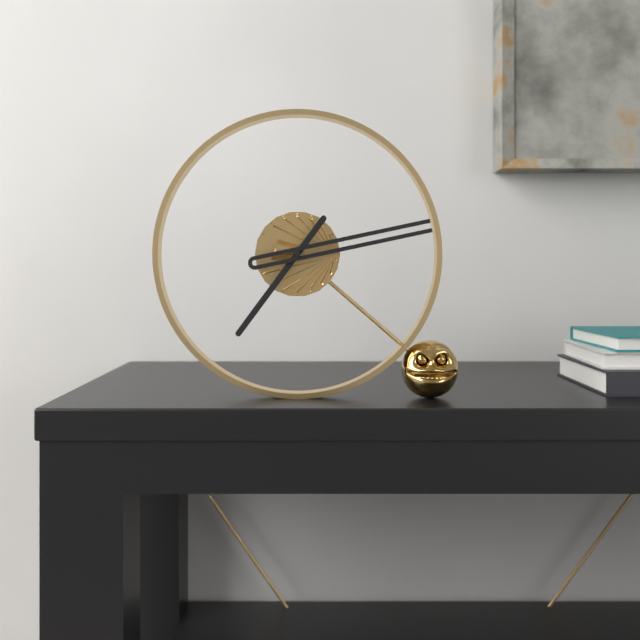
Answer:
7 h 13 min
